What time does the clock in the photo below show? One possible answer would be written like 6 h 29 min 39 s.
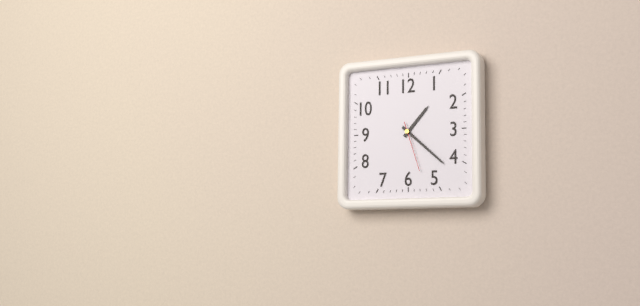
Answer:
1 h 22 min 27 s
